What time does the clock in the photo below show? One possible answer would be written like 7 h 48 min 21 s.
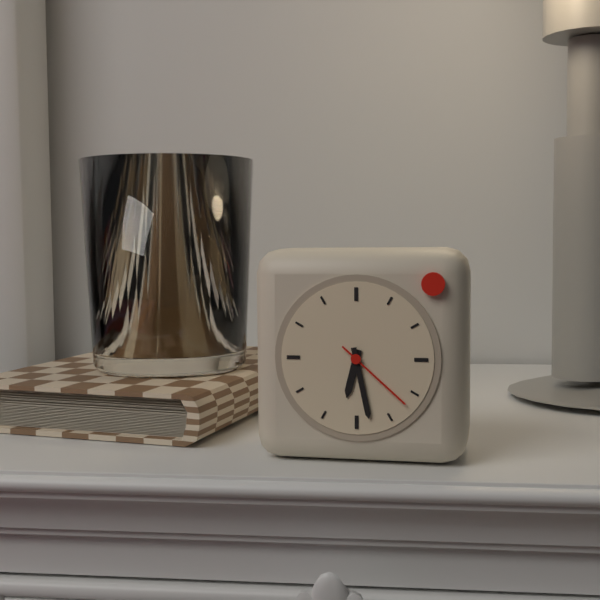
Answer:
6 h 28 min 22 s
